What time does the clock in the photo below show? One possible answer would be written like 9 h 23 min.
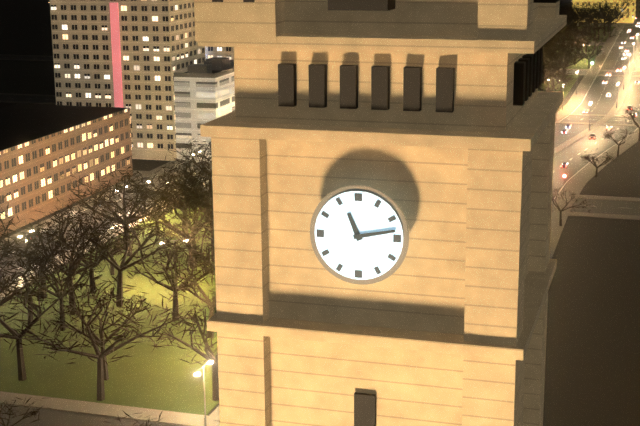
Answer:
11 h 13 min
